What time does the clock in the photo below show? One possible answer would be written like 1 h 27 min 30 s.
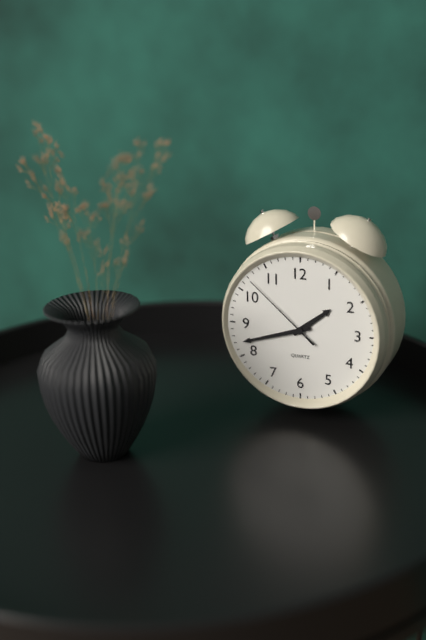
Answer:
1 h 42 min 52 s
